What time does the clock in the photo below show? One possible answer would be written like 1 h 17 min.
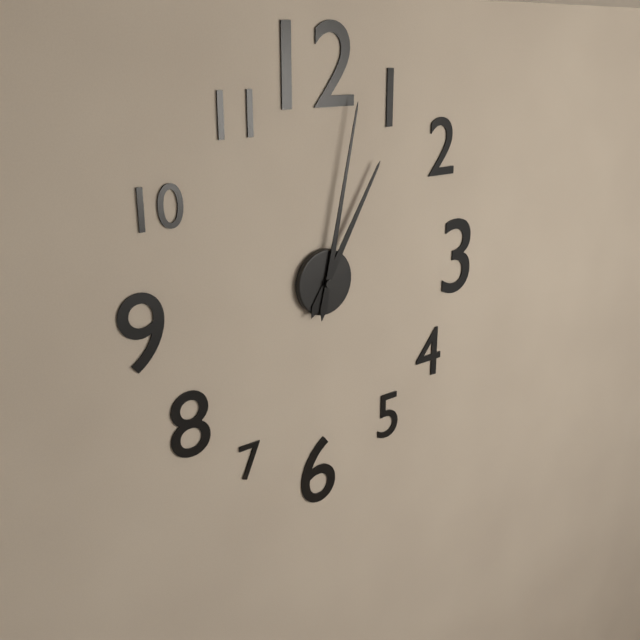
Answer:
1 h 02 min
